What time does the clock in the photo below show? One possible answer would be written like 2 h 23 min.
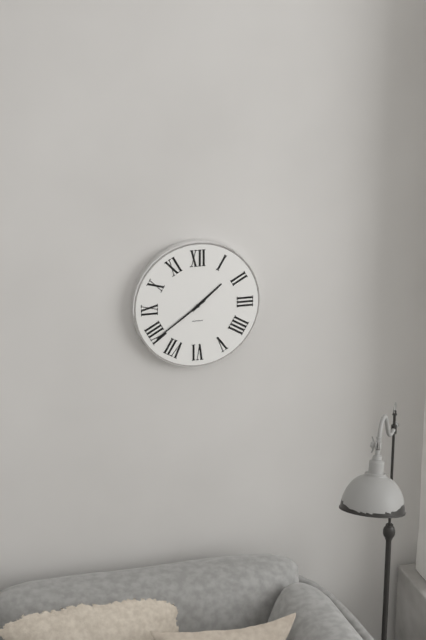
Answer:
1 h 39 min
